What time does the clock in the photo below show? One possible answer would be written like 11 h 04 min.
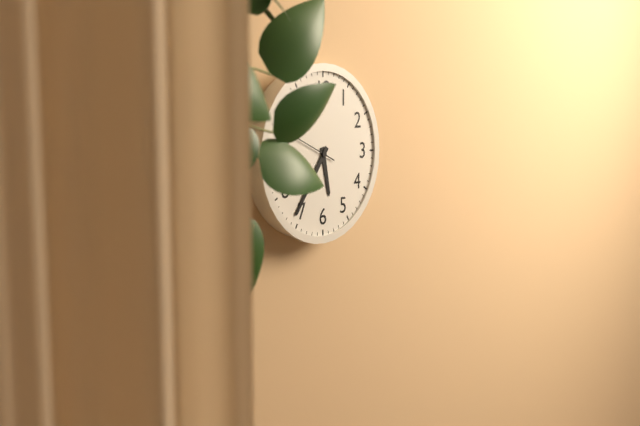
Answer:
5 h 36 min
